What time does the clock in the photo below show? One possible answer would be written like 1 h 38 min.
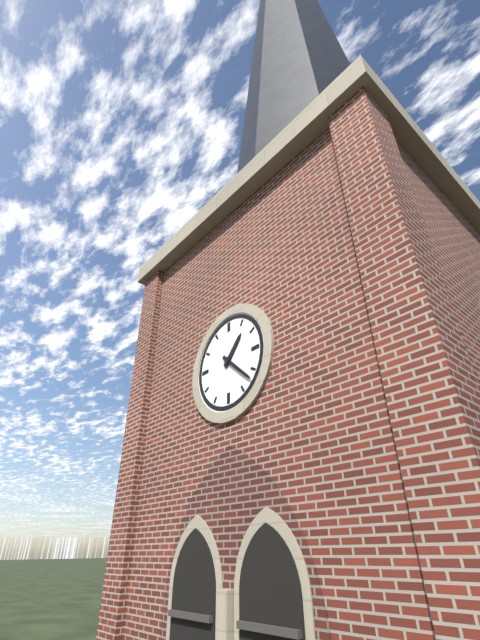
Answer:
1 h 22 min
